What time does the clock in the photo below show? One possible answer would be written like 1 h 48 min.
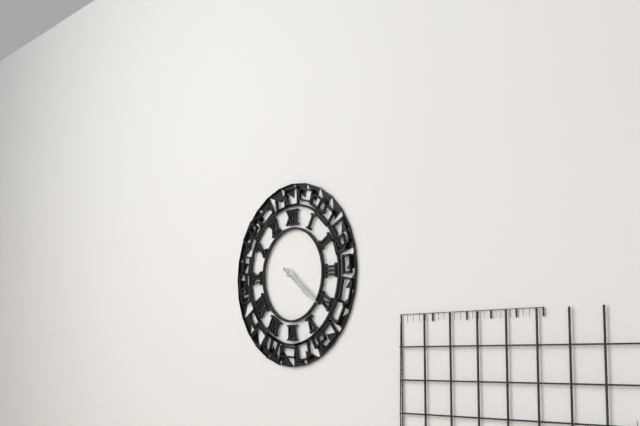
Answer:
4 h 21 min
